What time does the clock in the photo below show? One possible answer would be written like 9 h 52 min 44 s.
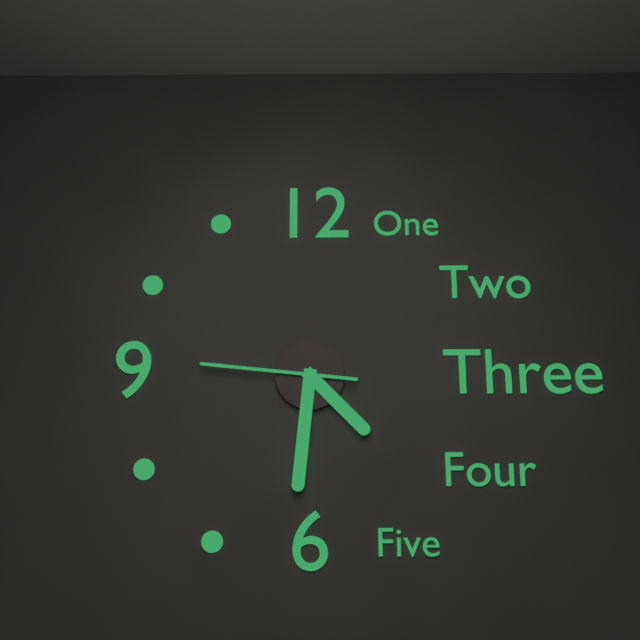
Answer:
4 h 31 min 46 s
